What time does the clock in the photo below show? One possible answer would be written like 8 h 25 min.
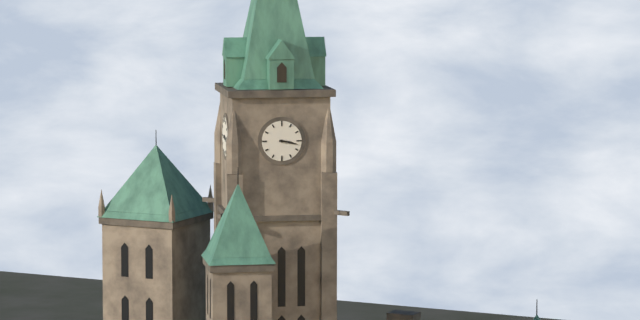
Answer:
3 h 17 min
